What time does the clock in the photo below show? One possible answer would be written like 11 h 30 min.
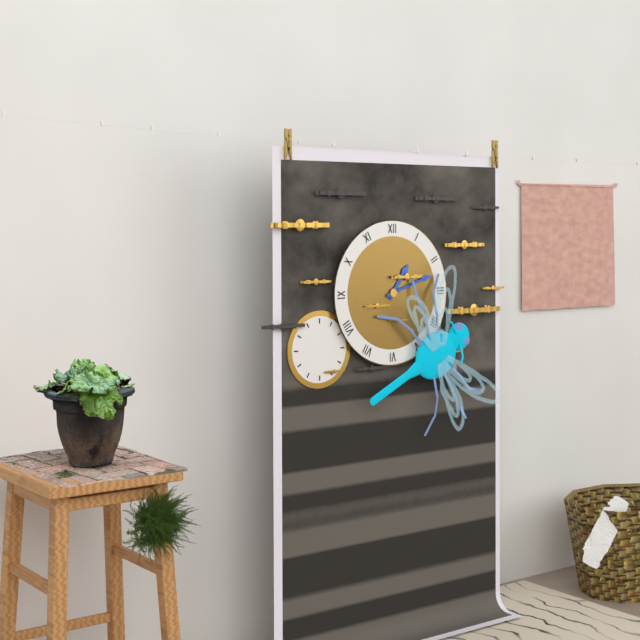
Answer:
1 h 12 min
